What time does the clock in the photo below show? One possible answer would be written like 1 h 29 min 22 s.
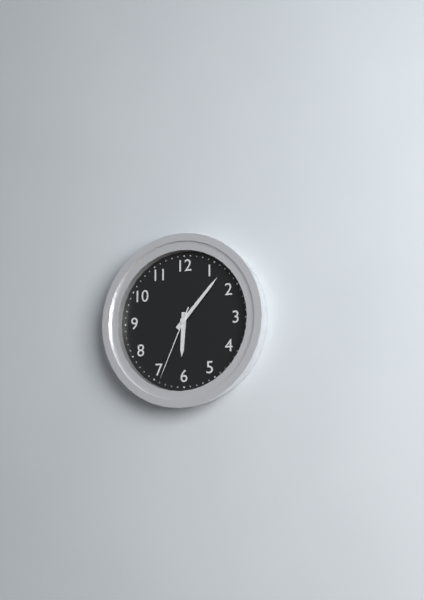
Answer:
6 h 07 min 34 s
